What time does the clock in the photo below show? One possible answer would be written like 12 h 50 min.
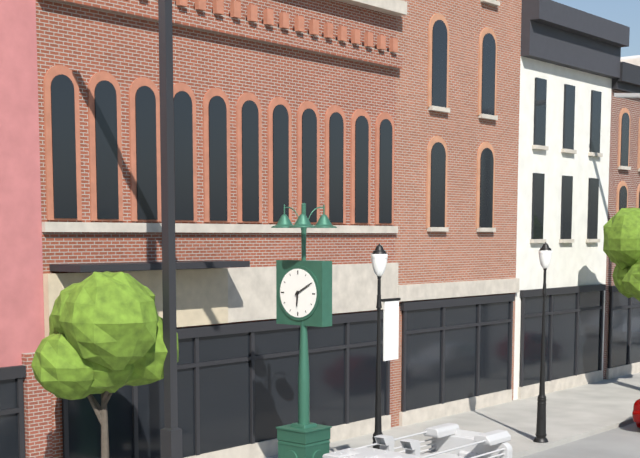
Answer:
6 h 10 min
